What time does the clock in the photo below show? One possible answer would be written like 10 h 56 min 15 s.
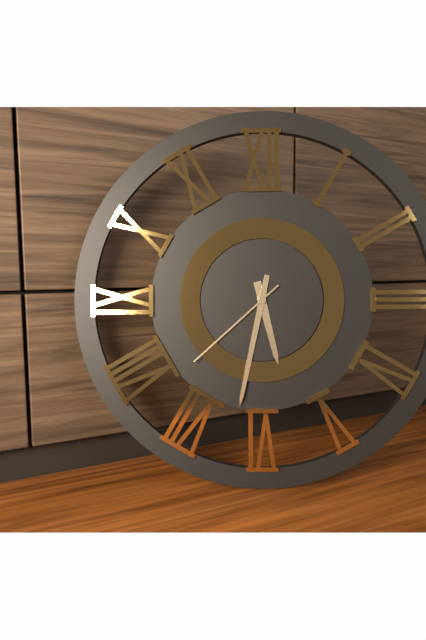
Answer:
5 h 32 min 38 s
